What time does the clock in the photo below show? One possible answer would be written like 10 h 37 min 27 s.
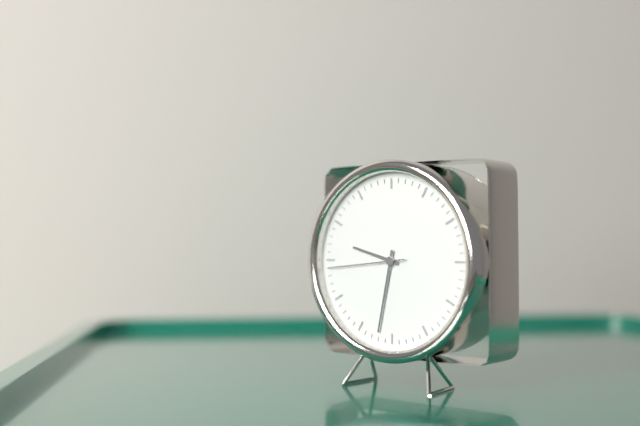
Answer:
9 h 32 min 44 s
